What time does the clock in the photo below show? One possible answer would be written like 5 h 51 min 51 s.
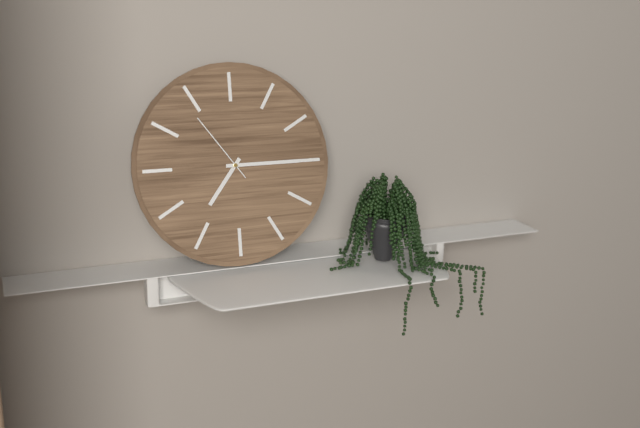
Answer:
7 h 15 min 54 s
